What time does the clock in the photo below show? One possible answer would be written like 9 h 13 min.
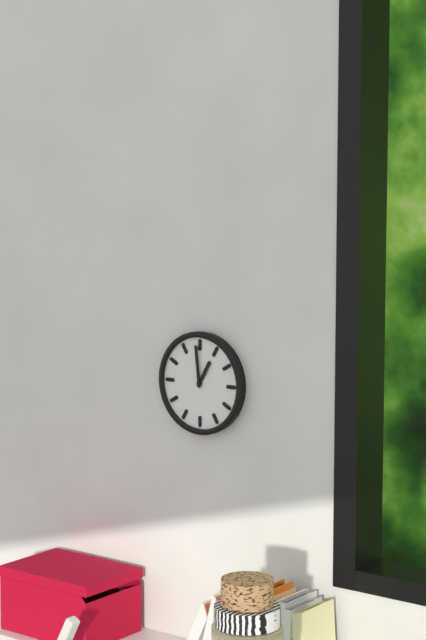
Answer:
12 h 59 min
